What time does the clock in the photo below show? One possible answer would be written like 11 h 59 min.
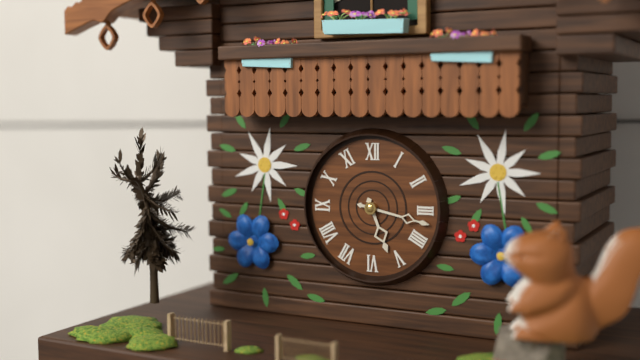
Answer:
5 h 17 min
